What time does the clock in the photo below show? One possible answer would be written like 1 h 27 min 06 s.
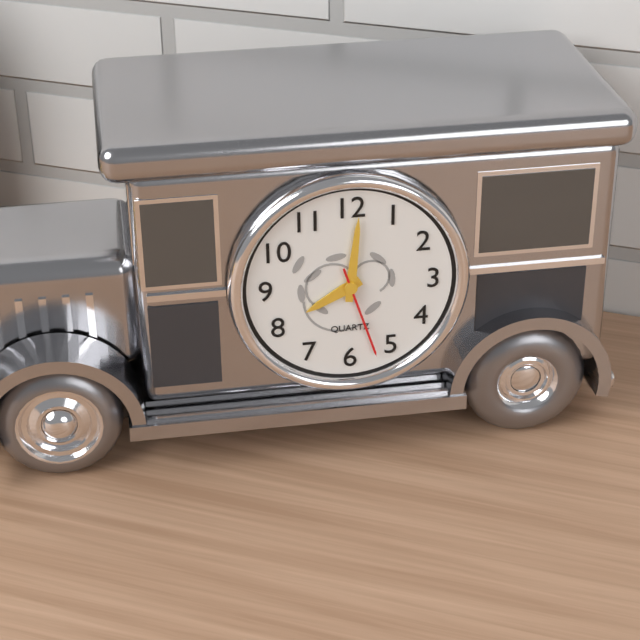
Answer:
8 h 01 min 27 s
